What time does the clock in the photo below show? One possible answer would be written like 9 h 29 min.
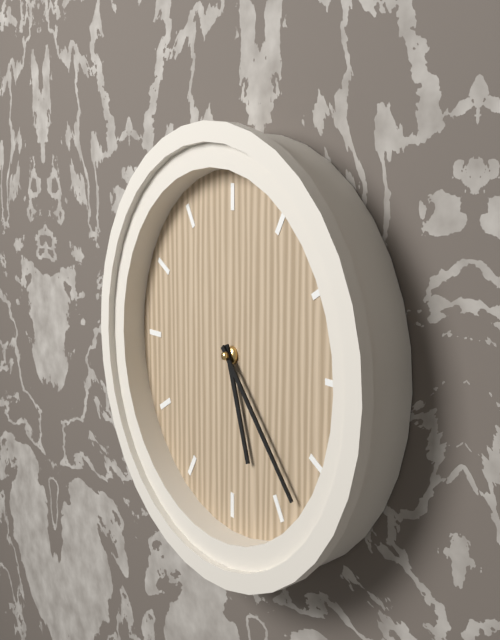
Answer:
5 h 23 min
